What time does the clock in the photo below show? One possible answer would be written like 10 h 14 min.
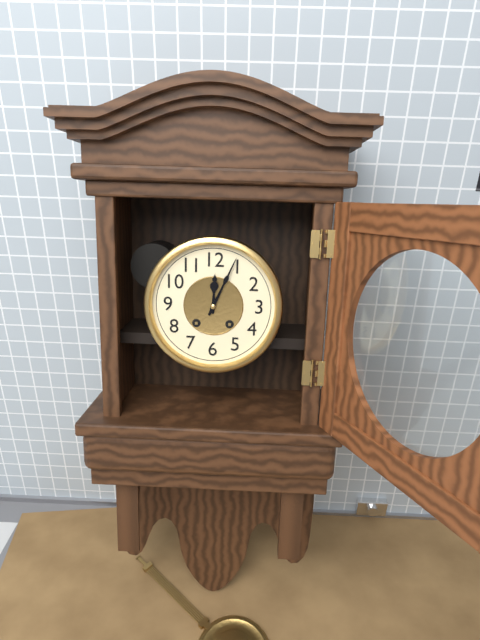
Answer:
12 h 04 min
